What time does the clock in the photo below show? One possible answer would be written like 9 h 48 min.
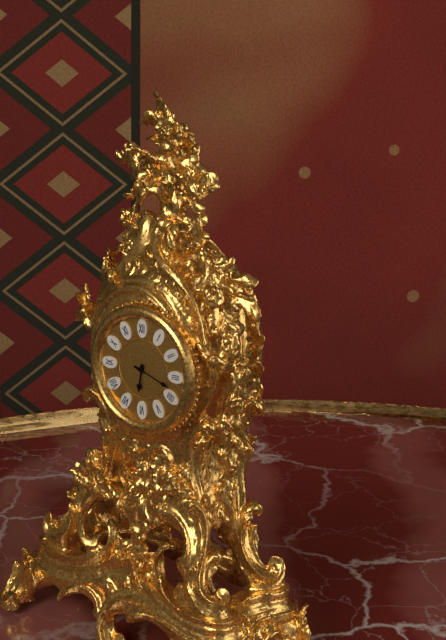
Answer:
6 h 18 min
